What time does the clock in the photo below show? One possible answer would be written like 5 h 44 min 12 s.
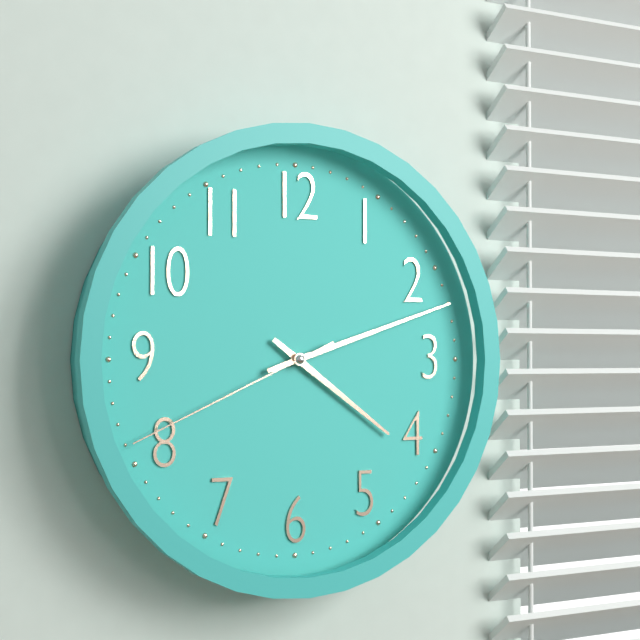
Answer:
4 h 12 min 41 s
